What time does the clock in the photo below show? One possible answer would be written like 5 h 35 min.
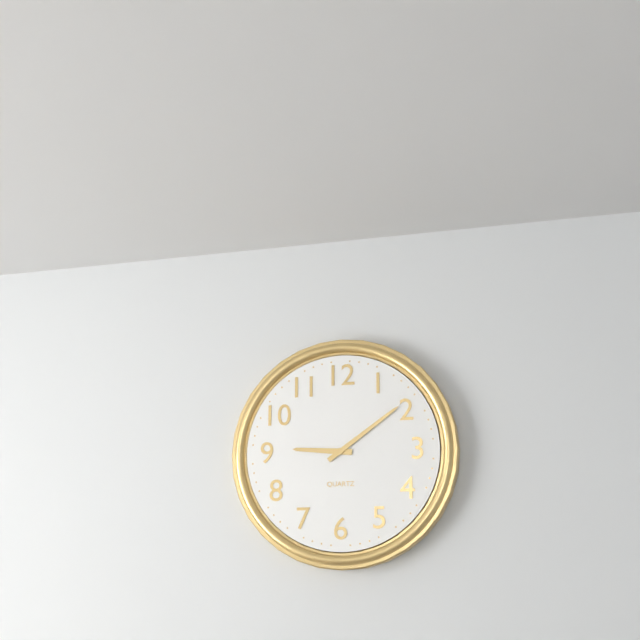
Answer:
9 h 09 min
